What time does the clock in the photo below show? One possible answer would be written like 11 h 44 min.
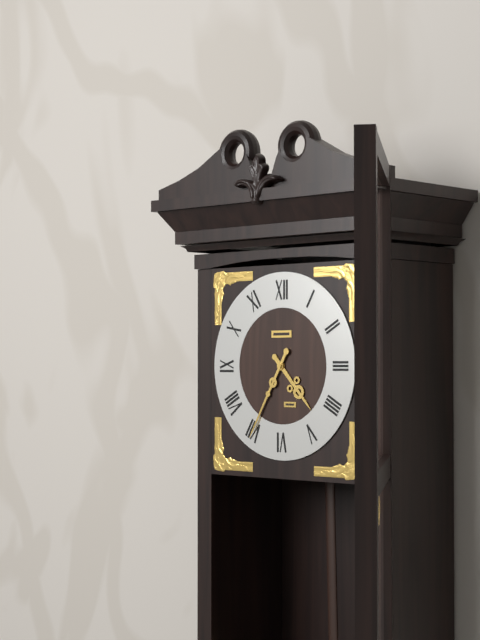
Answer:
4 h 35 min
